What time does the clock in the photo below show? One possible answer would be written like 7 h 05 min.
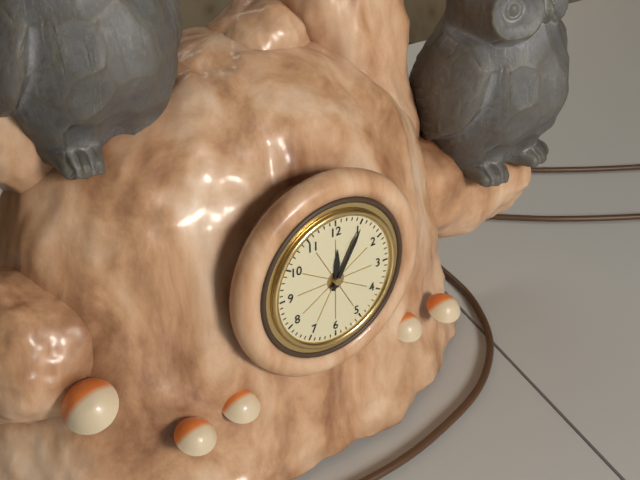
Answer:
12 h 05 min
